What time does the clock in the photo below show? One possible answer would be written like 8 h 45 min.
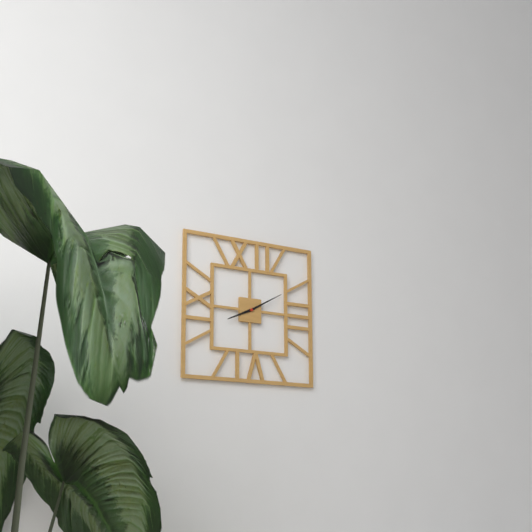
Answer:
8 h 10 min
